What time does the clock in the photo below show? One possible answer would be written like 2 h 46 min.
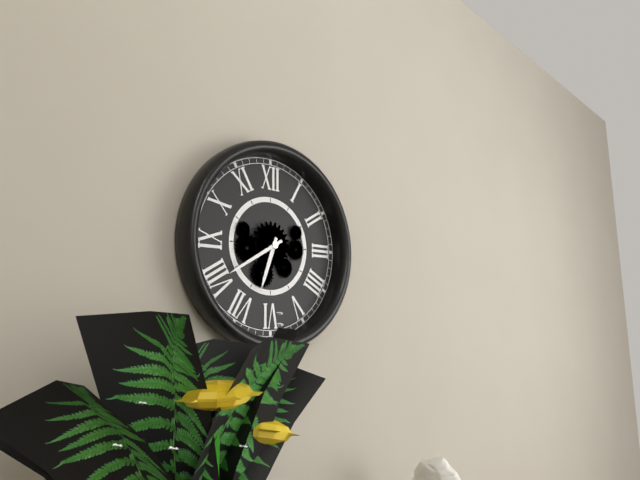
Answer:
6 h 40 min
